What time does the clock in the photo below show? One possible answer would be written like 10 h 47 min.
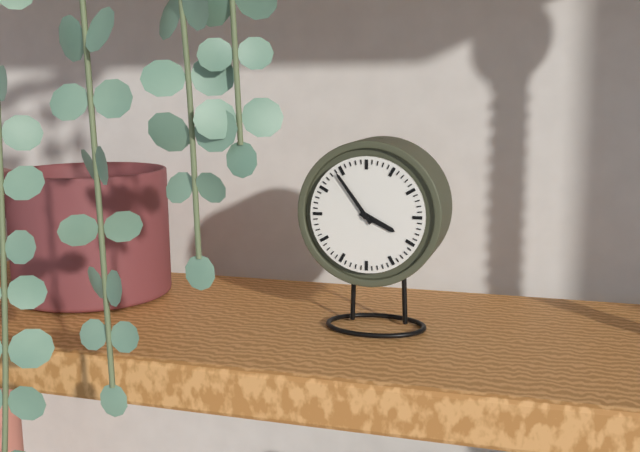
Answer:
3 h 54 min
